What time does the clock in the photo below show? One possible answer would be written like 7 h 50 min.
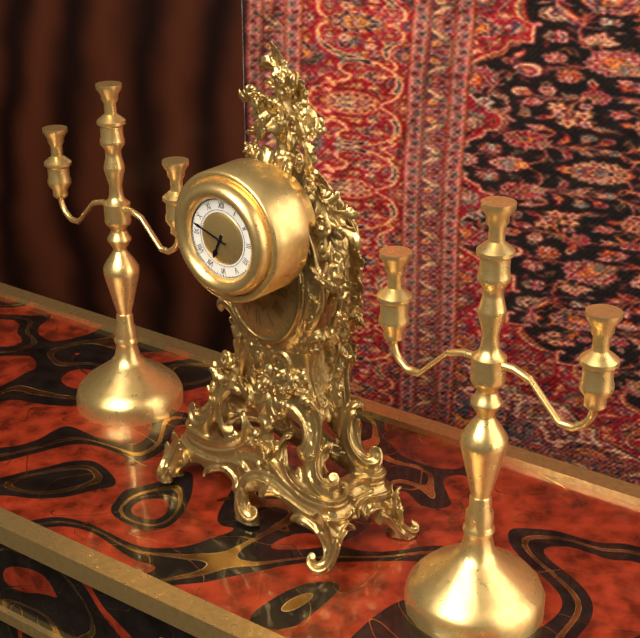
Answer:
6 h 48 min
